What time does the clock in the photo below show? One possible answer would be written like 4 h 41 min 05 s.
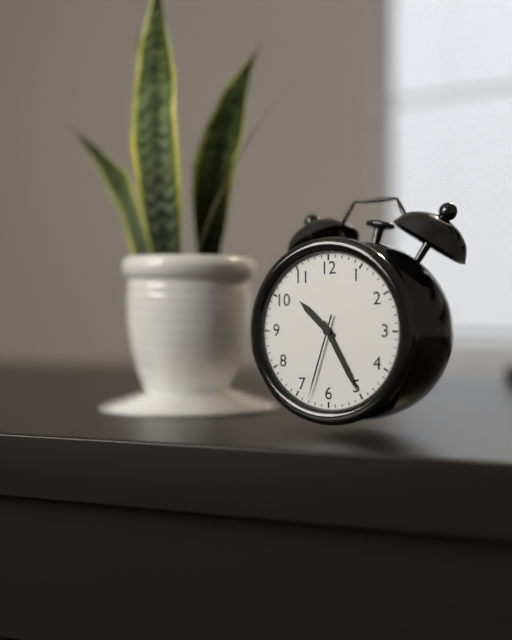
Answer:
10 h 25 min 33 s
